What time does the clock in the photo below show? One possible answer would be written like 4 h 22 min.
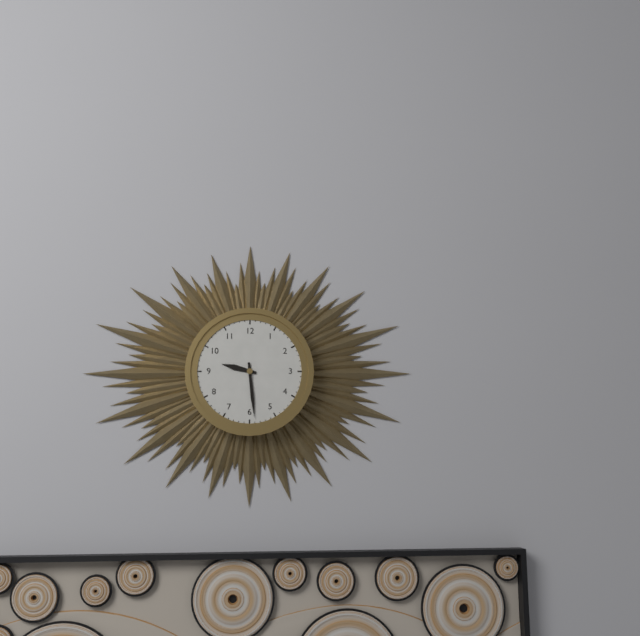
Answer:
9 h 29 min
